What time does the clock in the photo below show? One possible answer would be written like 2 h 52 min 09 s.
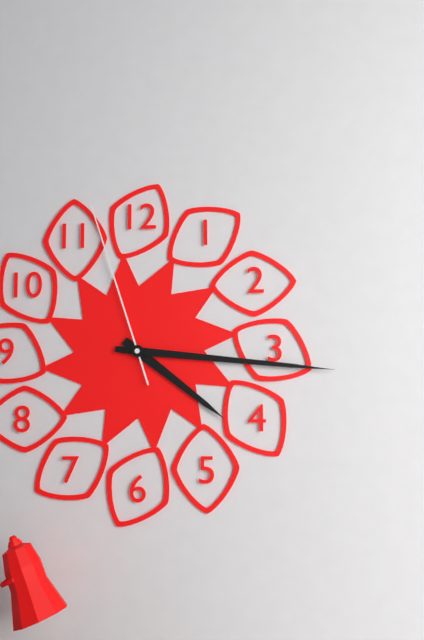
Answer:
4 h 16 min 57 s
